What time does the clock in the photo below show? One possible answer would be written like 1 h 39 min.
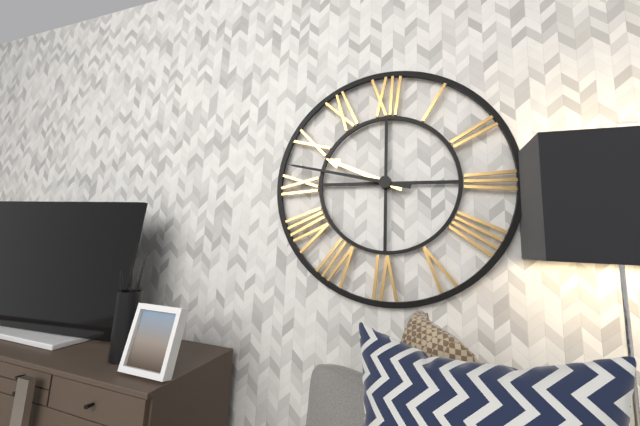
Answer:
9 h 47 min
